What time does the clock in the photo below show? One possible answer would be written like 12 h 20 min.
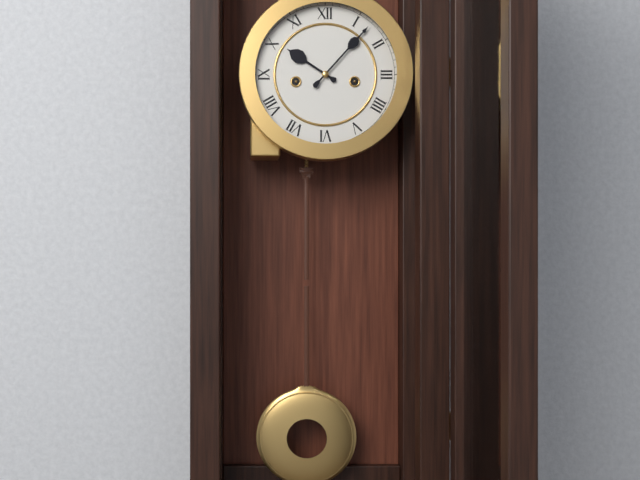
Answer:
10 h 07 min
